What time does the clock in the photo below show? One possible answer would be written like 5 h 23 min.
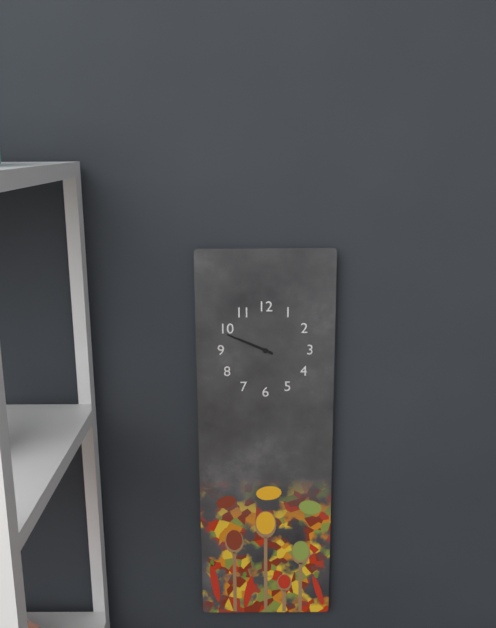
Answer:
9 h 49 min
